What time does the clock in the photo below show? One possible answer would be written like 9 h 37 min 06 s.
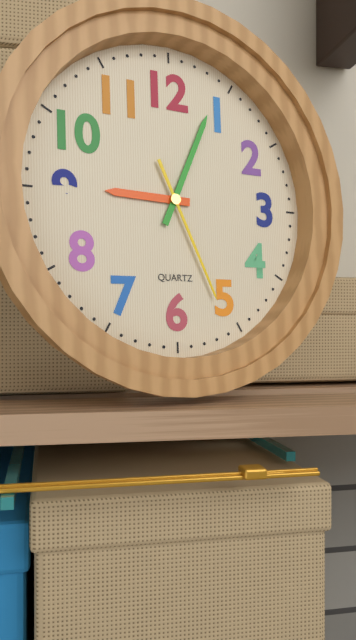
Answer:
9 h 04 min 26 s
